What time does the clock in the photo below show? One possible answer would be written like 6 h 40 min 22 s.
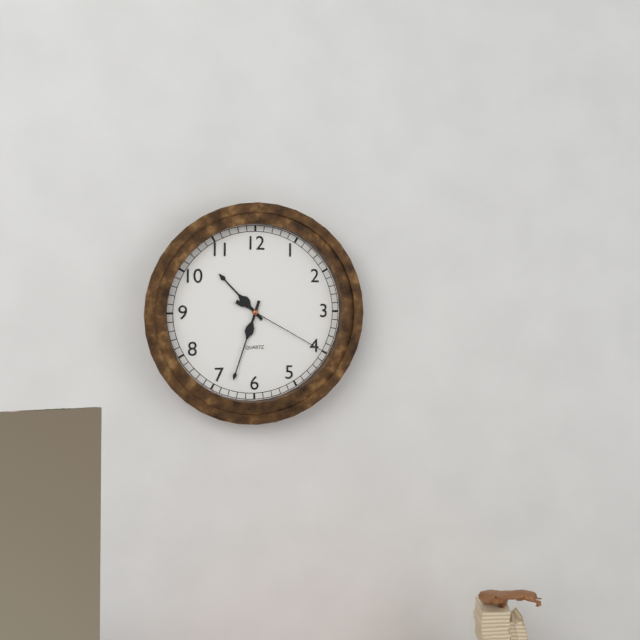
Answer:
10 h 33 min 20 s
